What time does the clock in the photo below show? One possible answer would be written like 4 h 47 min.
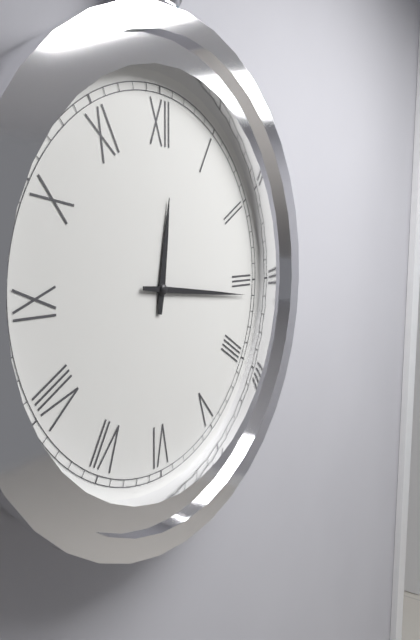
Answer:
12 h 16 min
